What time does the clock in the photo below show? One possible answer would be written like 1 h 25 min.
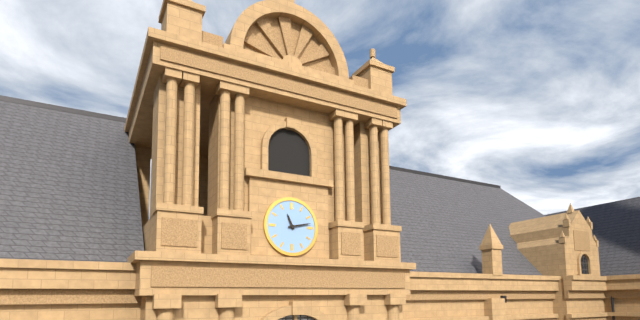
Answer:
11 h 13 min
